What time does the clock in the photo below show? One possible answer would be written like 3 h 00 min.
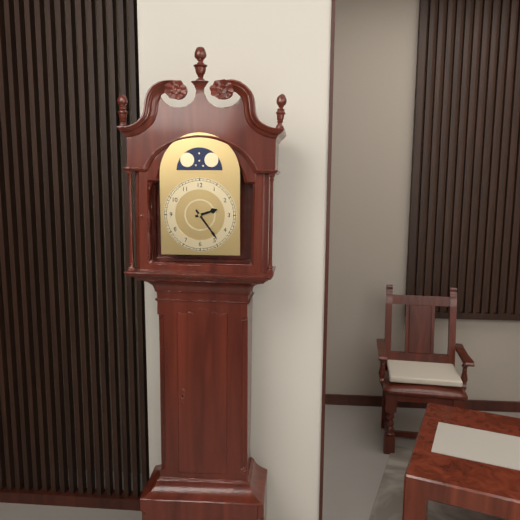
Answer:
2 h 24 min
